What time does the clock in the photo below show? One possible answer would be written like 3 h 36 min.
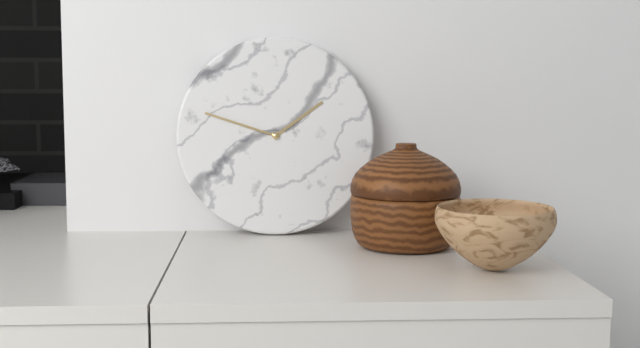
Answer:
1 h 48 min
